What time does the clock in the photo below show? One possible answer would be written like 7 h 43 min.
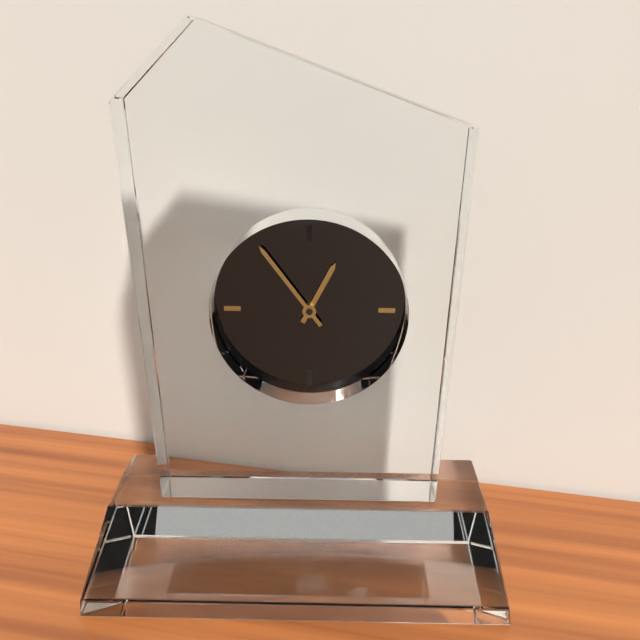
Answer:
12 h 54 min
